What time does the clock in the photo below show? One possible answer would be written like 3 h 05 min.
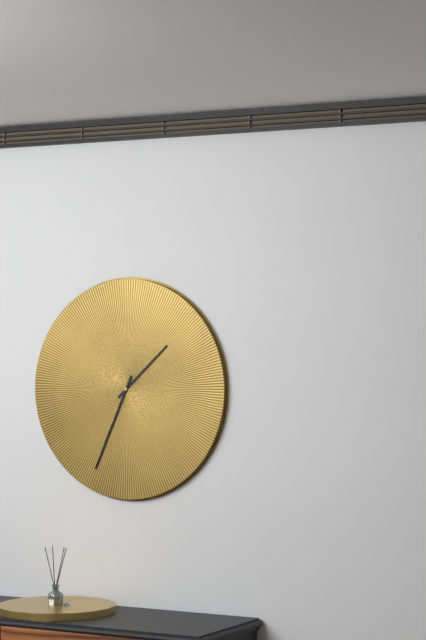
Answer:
1 h 34 min
